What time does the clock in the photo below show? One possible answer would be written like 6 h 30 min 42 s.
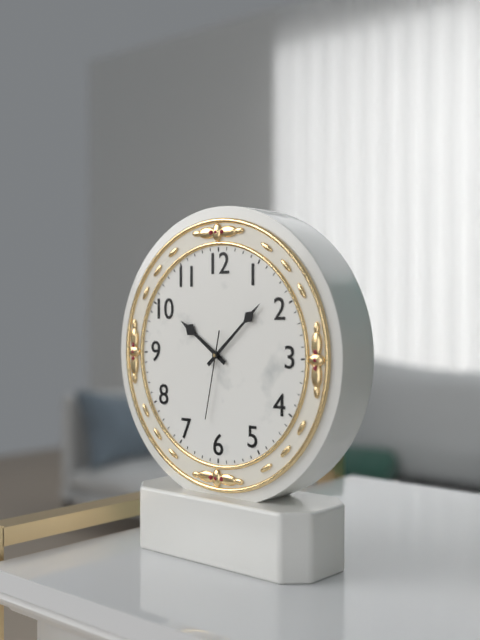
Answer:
10 h 08 min 32 s
